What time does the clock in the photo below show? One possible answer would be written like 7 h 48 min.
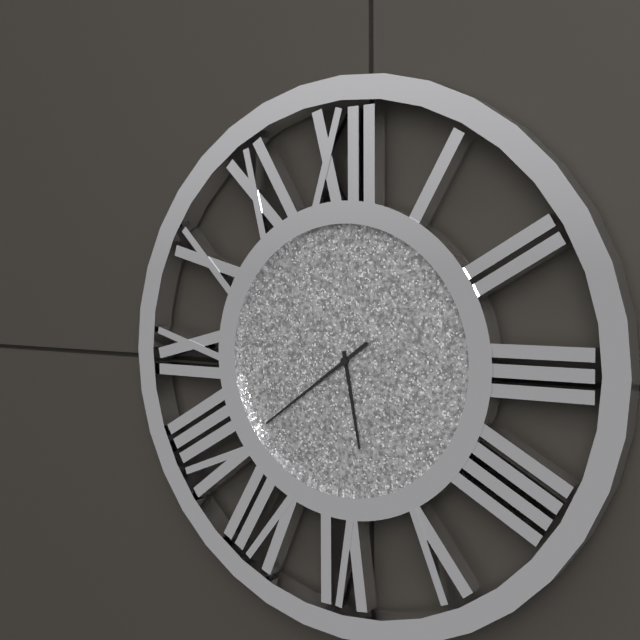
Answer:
5 h 39 min
